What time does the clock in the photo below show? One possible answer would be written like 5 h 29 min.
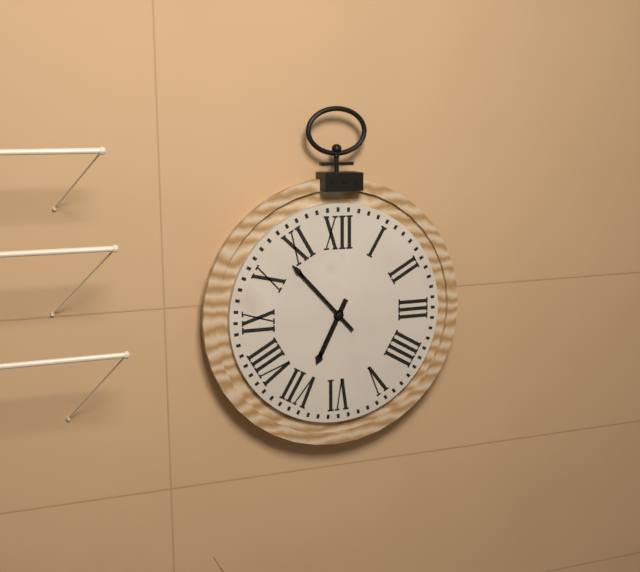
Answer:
6 h 53 min
